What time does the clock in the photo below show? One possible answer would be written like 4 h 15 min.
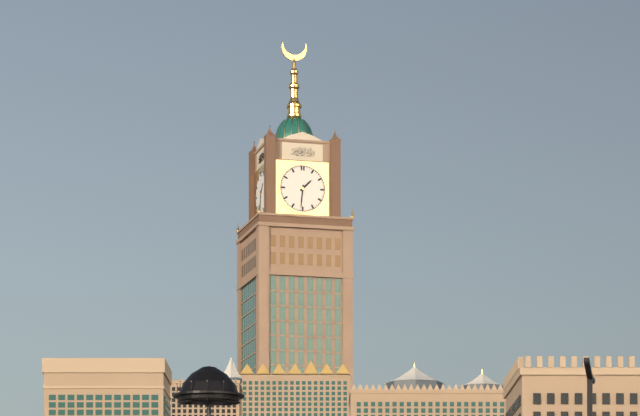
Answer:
1 h 31 min
